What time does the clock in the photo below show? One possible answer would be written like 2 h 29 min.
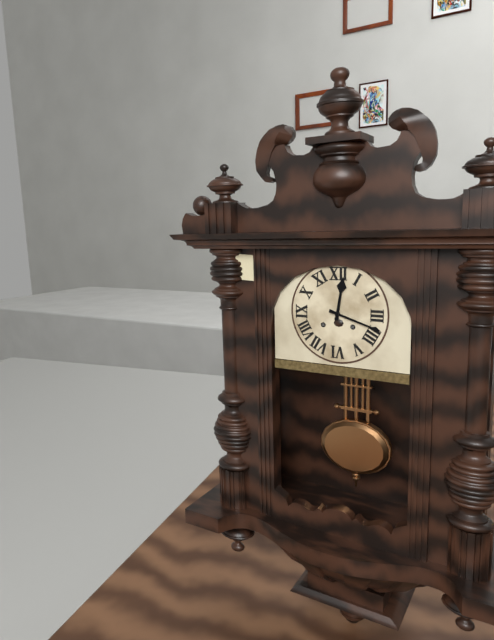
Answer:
12 h 18 min
